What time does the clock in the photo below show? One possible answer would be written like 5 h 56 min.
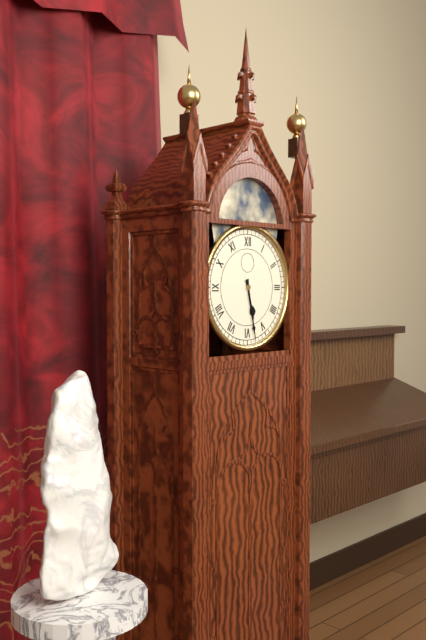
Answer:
5 h 28 min
